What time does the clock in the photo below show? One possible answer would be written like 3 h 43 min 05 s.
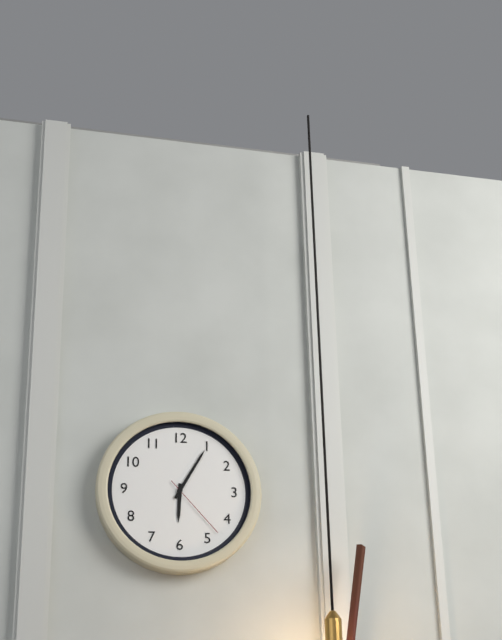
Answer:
6 h 05 min 23 s
